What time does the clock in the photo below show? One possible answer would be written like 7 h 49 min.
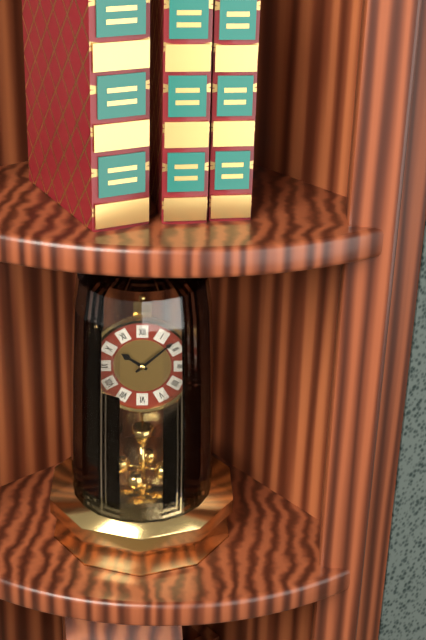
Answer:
10 h 08 min
